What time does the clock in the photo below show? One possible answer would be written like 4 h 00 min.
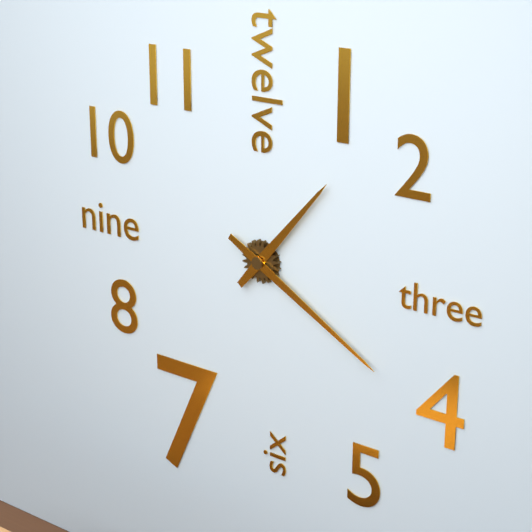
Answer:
1 h 20 min
